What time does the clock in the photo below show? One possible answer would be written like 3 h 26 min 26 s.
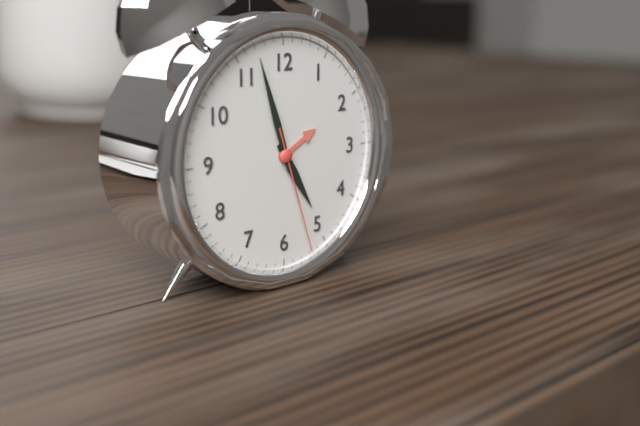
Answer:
4 h 57 min 27 s
